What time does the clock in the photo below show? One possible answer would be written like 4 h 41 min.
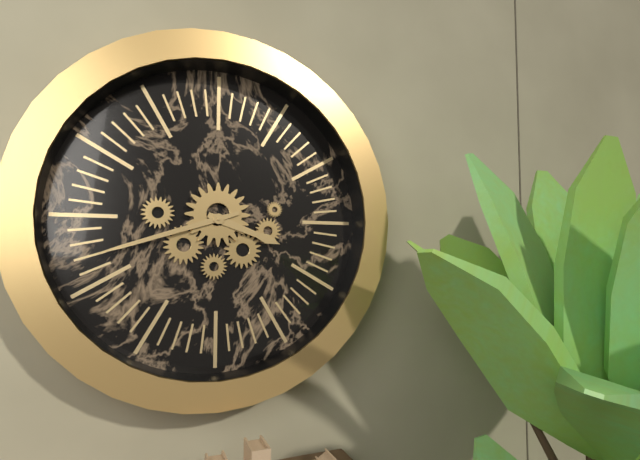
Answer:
3 h 42 min
